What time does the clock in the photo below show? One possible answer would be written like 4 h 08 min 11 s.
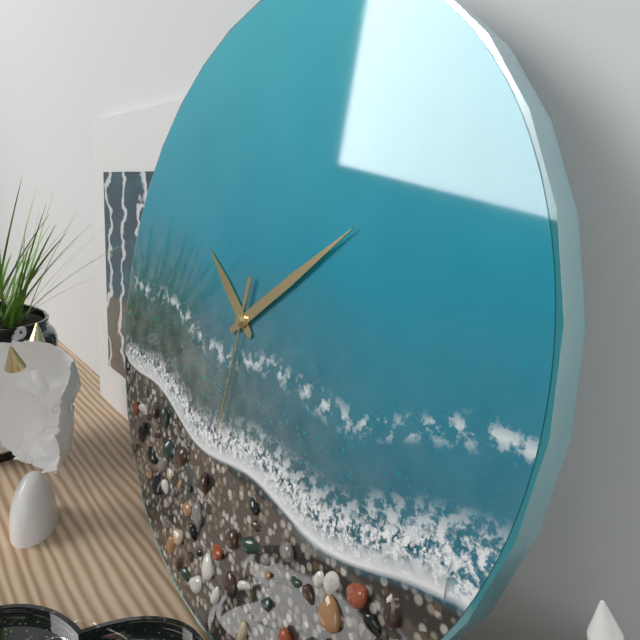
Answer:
10 h 09 min 31 s
